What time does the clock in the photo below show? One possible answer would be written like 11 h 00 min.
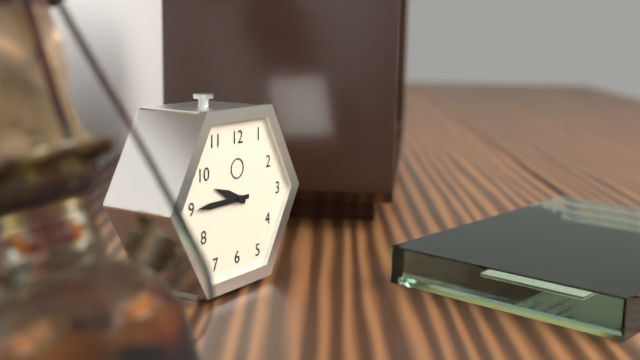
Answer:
9 h 45 min
